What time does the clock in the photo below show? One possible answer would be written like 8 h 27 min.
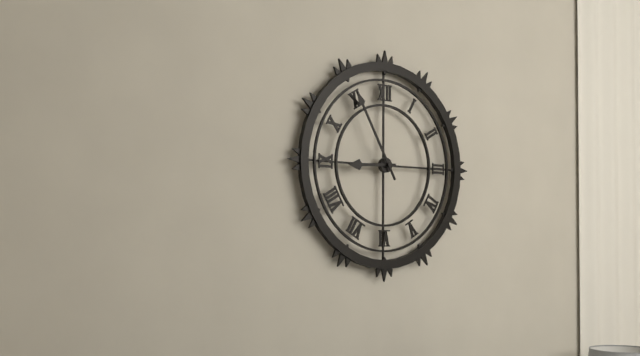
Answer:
8 h 55 min
